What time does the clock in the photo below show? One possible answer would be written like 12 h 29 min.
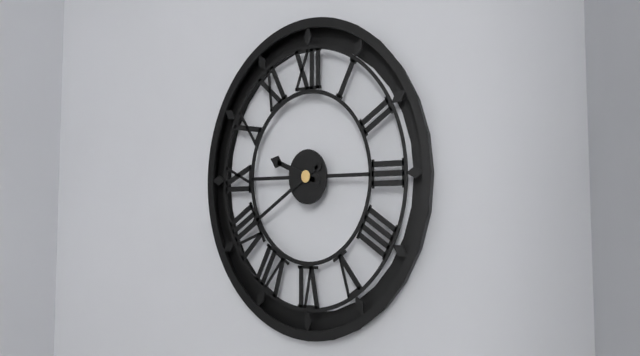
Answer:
9 h 40 min
